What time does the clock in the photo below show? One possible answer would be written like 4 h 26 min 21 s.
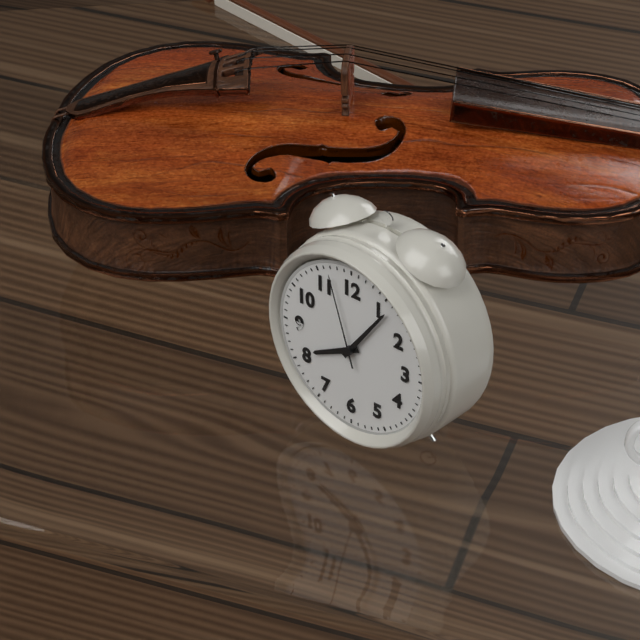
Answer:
8 h 06 min 57 s
